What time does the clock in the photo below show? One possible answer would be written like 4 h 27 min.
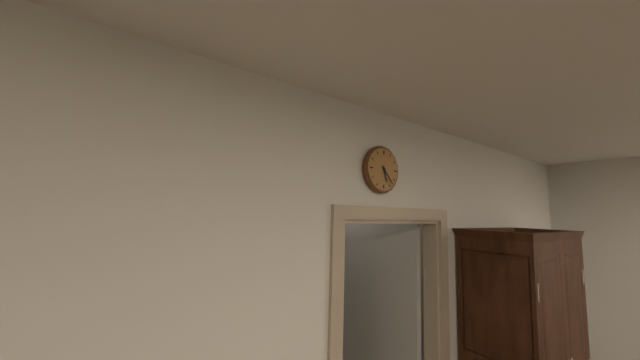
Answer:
5 h 23 min
